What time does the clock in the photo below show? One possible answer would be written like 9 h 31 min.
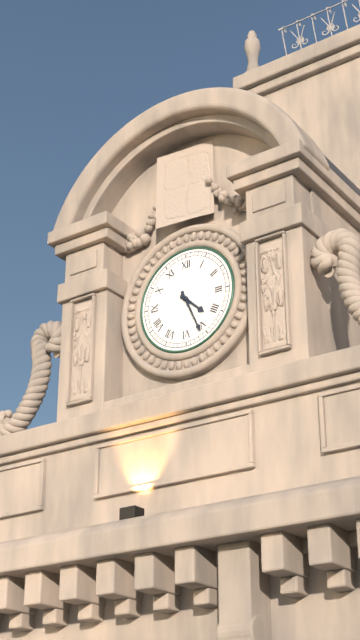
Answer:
4 h 26 min
